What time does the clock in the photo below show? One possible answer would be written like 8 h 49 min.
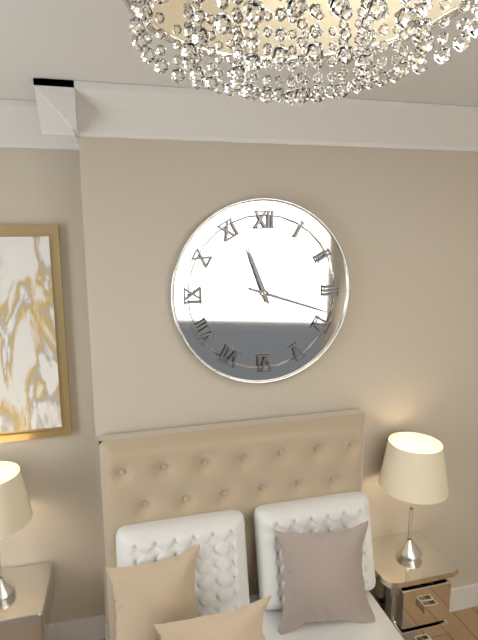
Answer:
11 h 18 min
